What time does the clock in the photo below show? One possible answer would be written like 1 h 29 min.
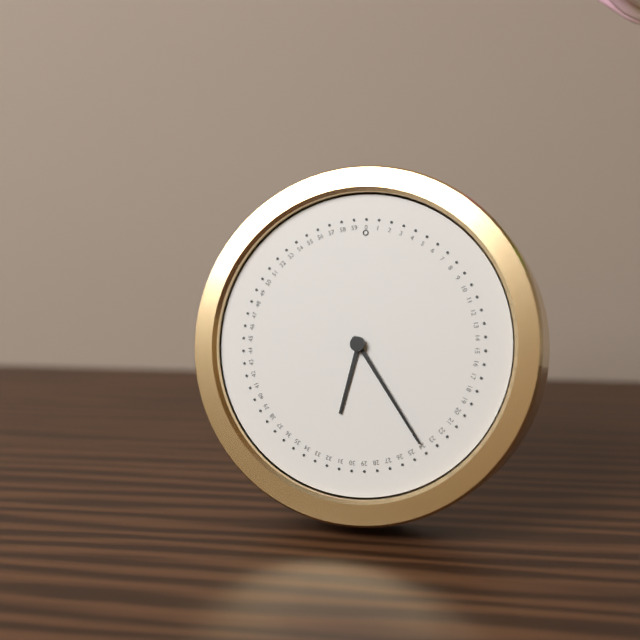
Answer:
6 h 24 min
